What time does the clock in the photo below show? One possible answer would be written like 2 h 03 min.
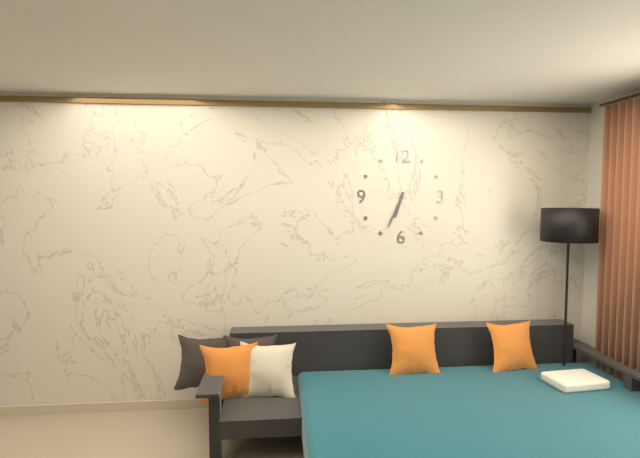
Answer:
6 h 34 min
